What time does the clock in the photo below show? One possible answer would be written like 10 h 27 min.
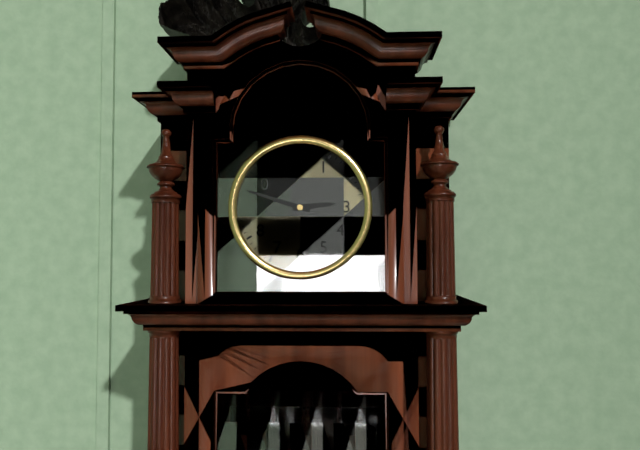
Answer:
2 h 48 min
